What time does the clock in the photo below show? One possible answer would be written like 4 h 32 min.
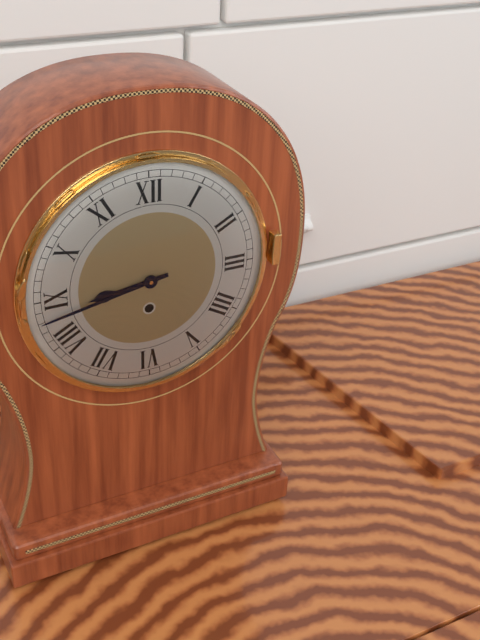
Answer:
8 h 43 min
